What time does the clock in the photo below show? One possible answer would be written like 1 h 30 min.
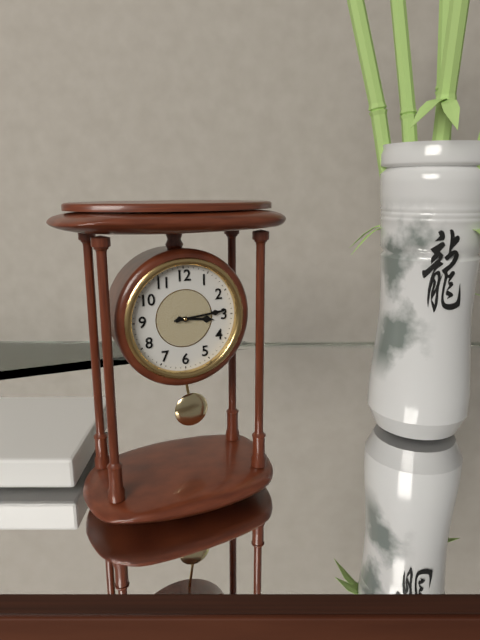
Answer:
3 h 14 min
